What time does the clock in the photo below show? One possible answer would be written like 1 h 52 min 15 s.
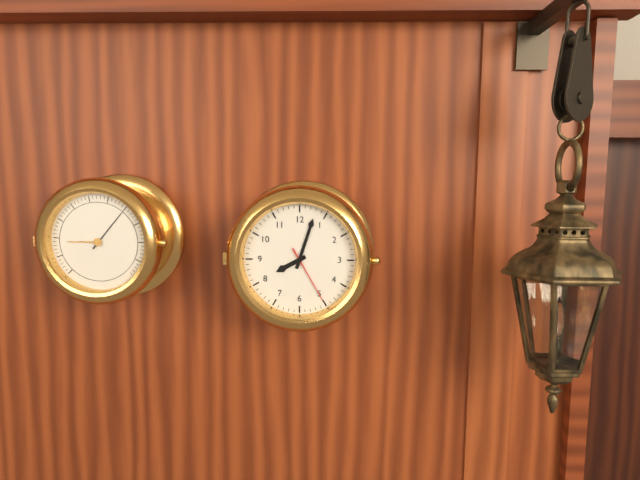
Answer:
8 h 03 min 25 s
